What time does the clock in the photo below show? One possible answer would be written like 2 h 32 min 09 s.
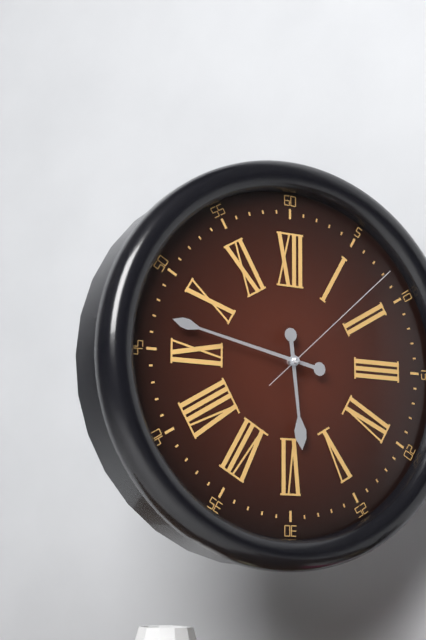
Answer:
5 h 47 min 08 s
